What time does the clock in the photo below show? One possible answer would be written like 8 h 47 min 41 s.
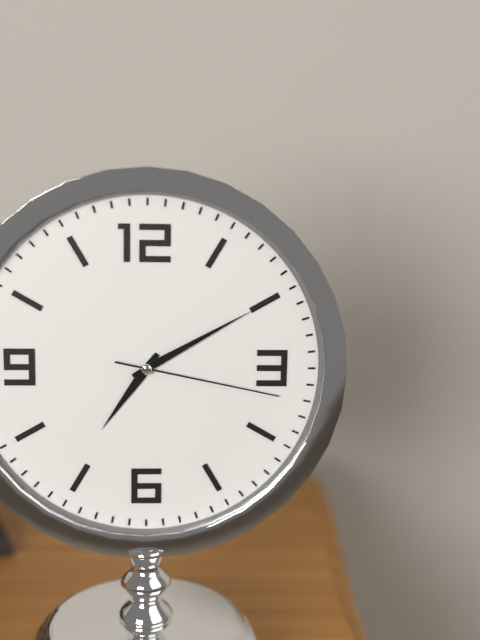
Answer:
7 h 10 min 17 s
